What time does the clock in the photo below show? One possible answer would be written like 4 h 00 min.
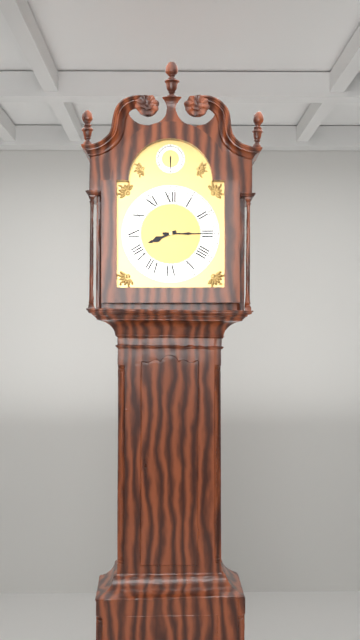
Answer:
8 h 15 min
